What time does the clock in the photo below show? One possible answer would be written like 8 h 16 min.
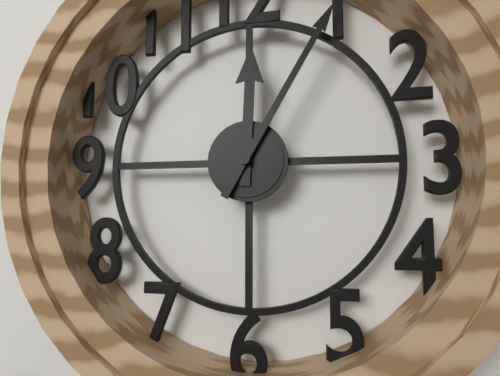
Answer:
12 h 05 min
